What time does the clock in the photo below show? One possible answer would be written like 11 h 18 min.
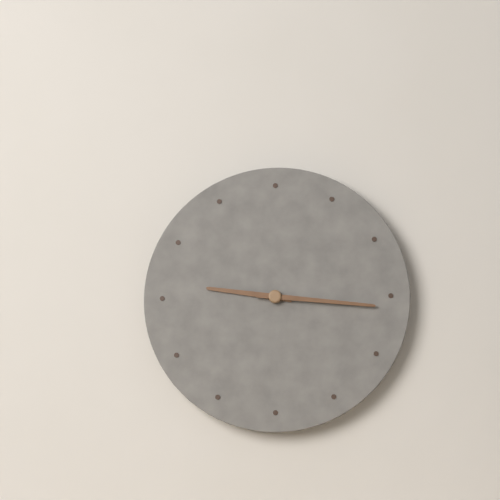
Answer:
9 h 16 min
